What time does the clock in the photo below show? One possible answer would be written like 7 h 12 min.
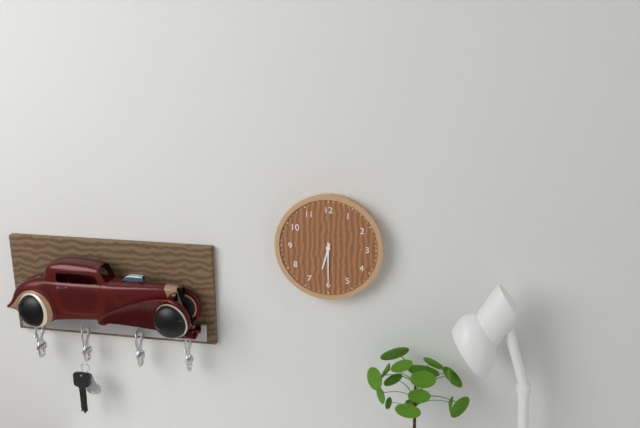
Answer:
6 h 30 min
